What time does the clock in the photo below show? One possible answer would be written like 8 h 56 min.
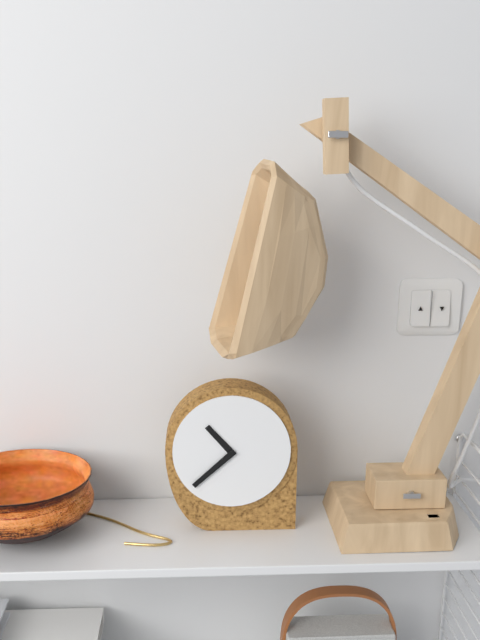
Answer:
10 h 38 min
